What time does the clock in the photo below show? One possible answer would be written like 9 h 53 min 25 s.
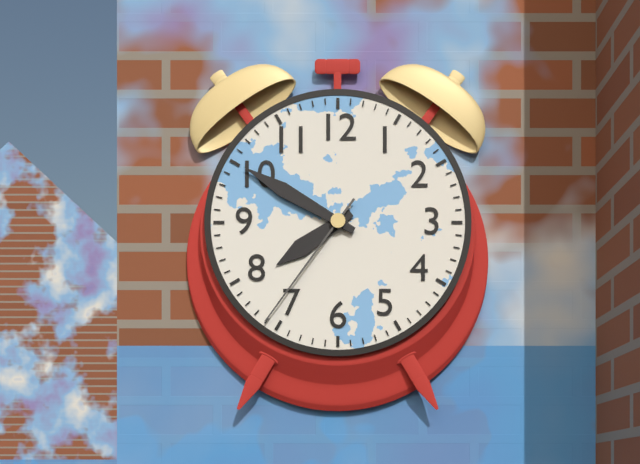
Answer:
7 h 50 min 36 s
